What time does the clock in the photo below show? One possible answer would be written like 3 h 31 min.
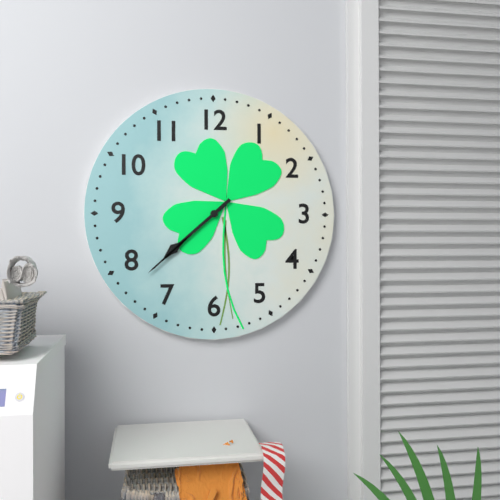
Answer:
7 h 38 min
